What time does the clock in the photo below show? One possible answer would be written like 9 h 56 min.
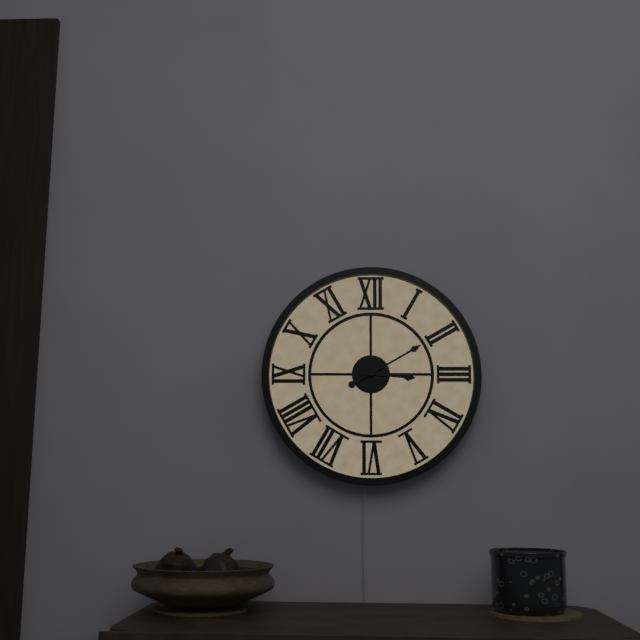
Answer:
3 h 10 min
